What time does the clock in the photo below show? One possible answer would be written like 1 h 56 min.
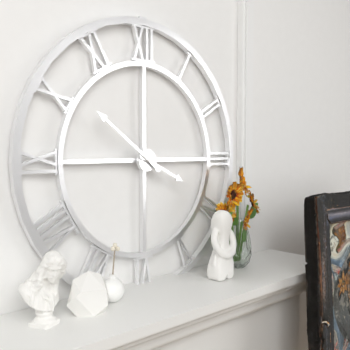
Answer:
3 h 51 min
